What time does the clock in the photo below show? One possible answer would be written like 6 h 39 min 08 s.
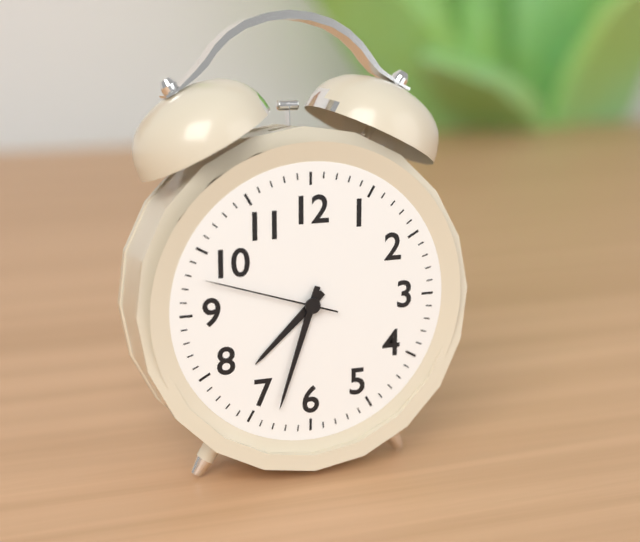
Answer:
7 h 33 min 48 s
